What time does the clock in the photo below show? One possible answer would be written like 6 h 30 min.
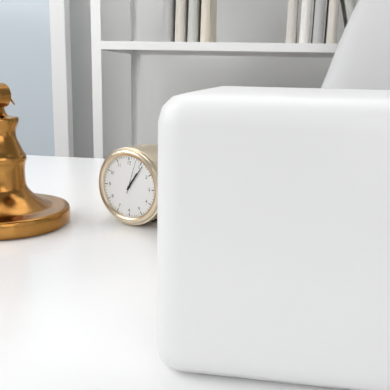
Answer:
1 h 06 min
